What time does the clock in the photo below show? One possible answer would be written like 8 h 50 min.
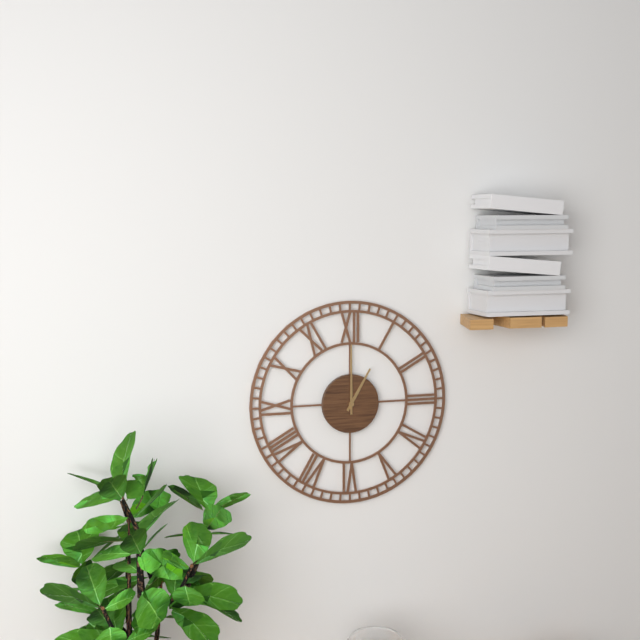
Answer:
1 h 00 min
